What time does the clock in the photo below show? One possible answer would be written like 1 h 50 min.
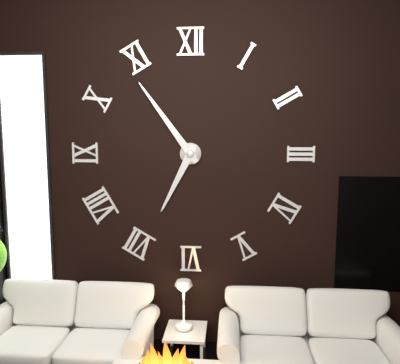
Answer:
6 h 54 min
